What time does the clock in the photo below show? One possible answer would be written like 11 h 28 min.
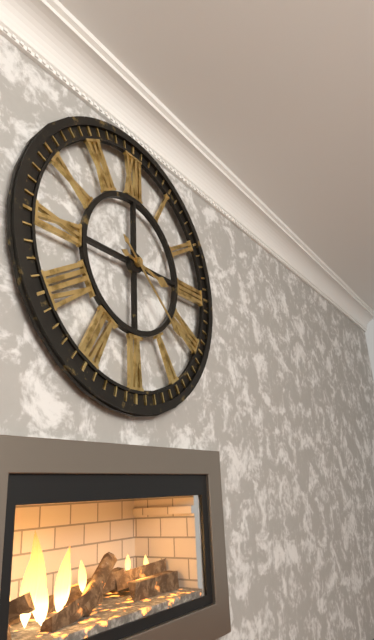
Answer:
3 h 22 min
